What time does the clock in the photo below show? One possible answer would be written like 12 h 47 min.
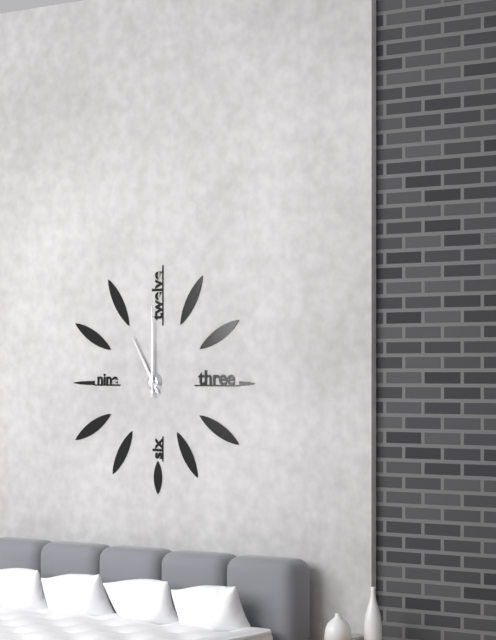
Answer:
11 h 00 min
